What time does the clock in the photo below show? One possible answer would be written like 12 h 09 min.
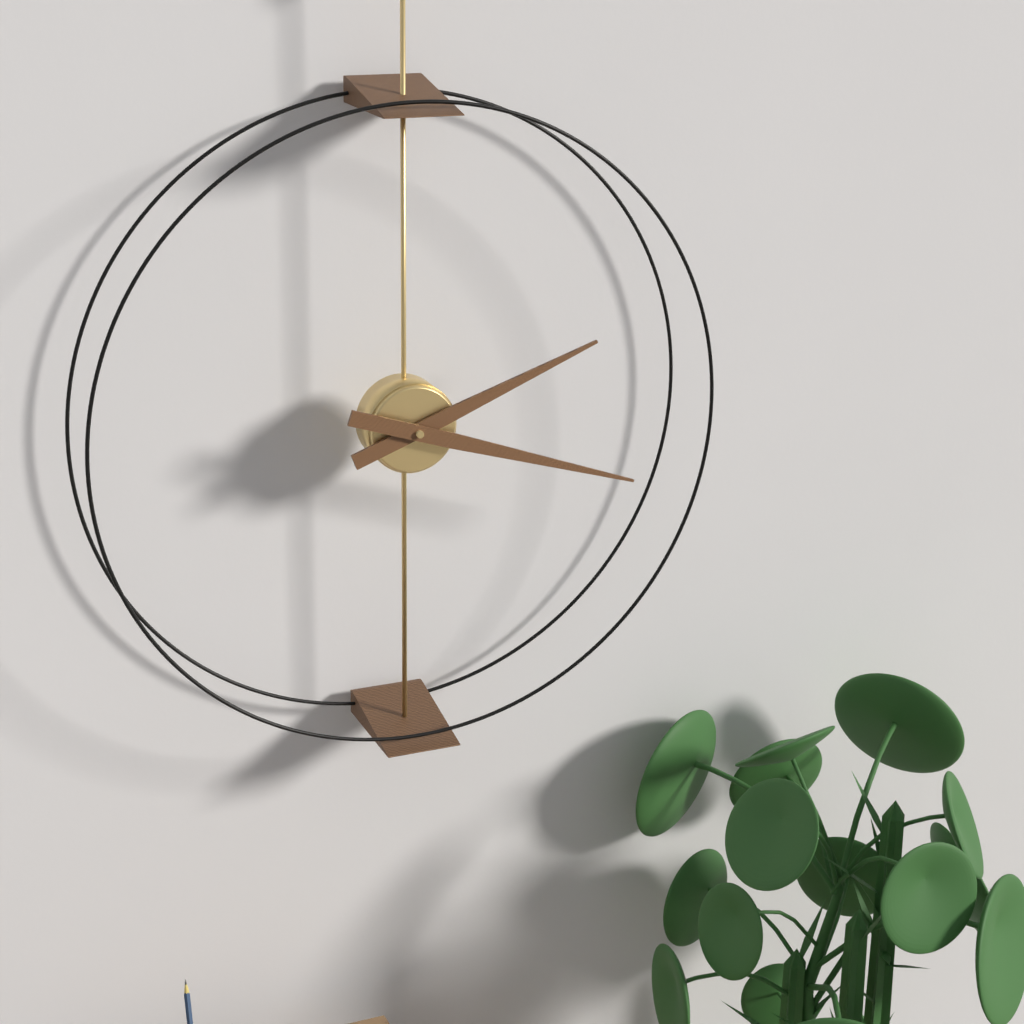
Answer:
2 h 18 min
